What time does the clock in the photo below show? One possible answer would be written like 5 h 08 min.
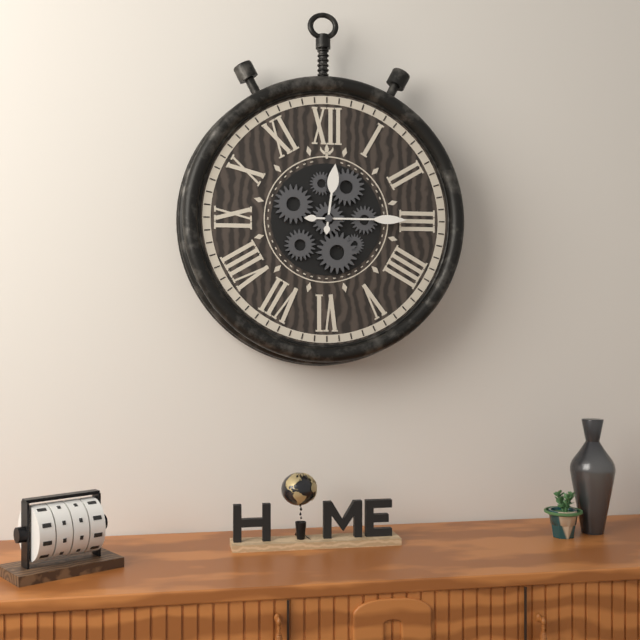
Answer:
12 h 15 min
